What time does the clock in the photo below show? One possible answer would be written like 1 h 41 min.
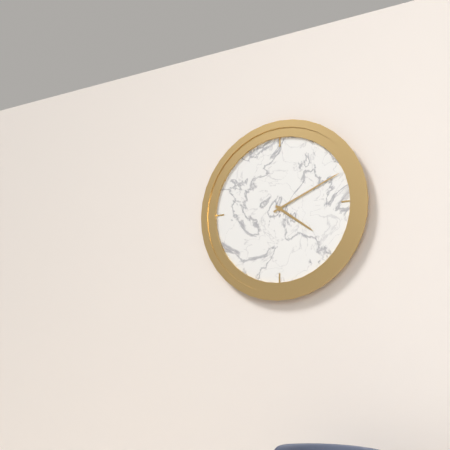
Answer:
4 h 11 min
